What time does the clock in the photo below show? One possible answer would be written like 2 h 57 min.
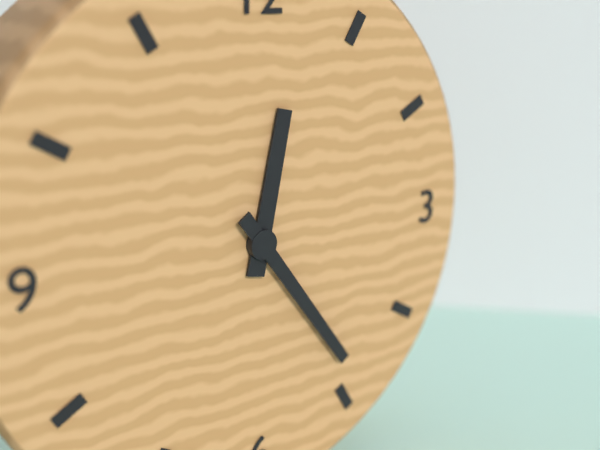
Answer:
12 h 24 min
